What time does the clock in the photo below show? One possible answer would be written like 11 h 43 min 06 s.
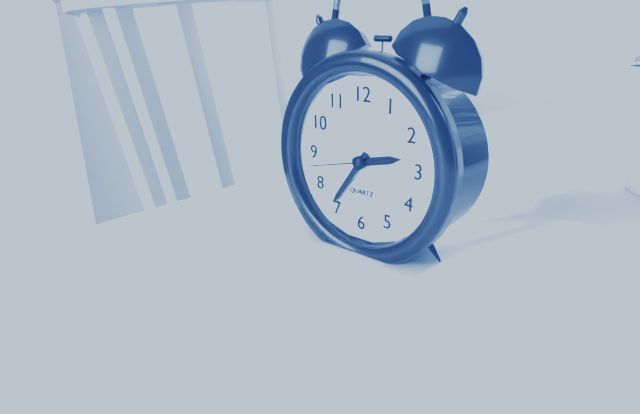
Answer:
2 h 36 min 43 s
